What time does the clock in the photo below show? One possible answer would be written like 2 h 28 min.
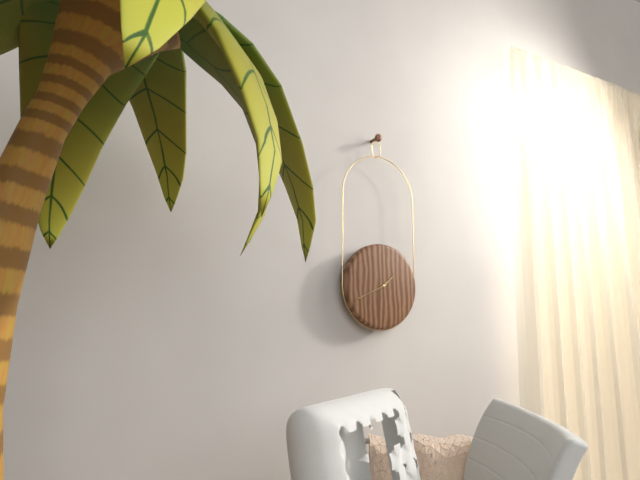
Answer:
1 h 41 min
